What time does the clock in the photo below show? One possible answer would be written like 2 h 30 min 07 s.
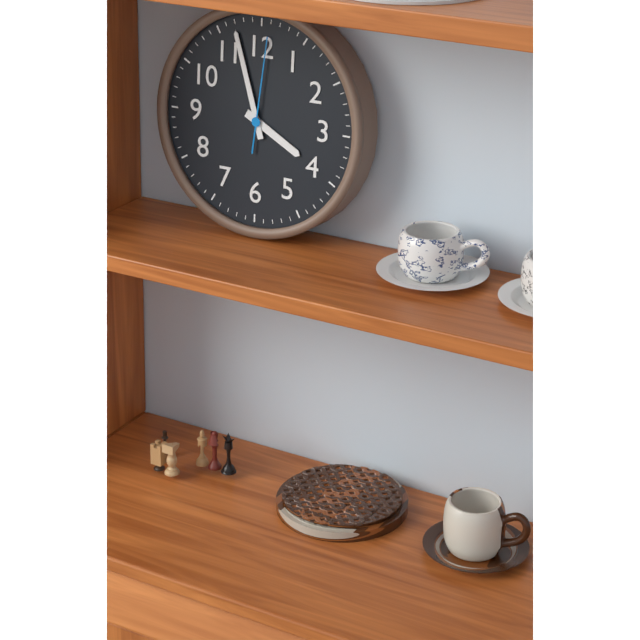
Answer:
3 h 57 min 01 s
